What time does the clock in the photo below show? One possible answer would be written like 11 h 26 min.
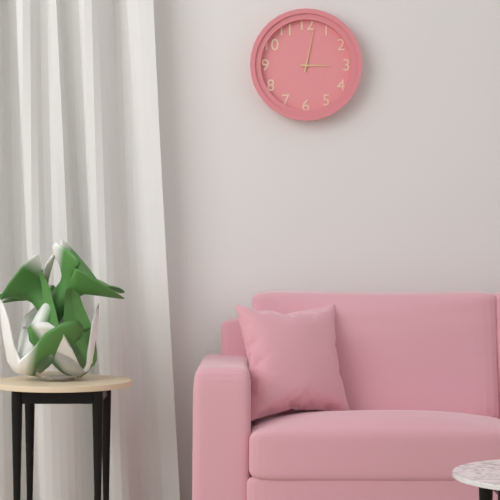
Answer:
3 h 02 min
